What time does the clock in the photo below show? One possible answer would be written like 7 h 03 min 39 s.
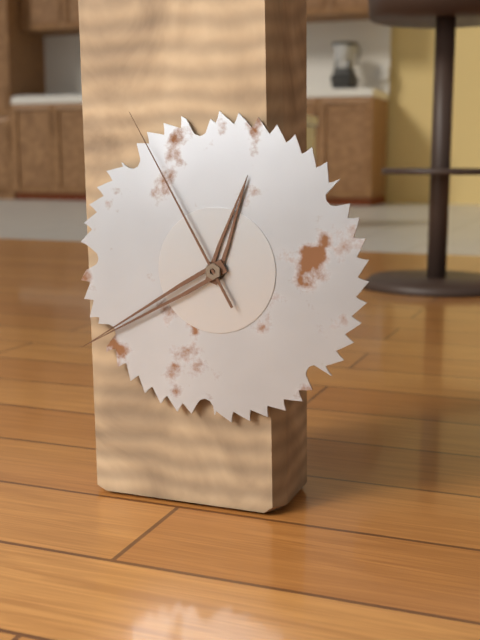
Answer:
12 h 40 min 55 s
